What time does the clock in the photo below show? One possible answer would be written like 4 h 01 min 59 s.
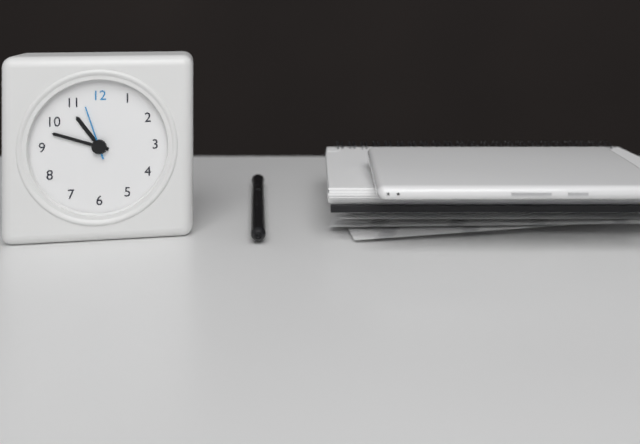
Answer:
10 h 48 min 57 s
